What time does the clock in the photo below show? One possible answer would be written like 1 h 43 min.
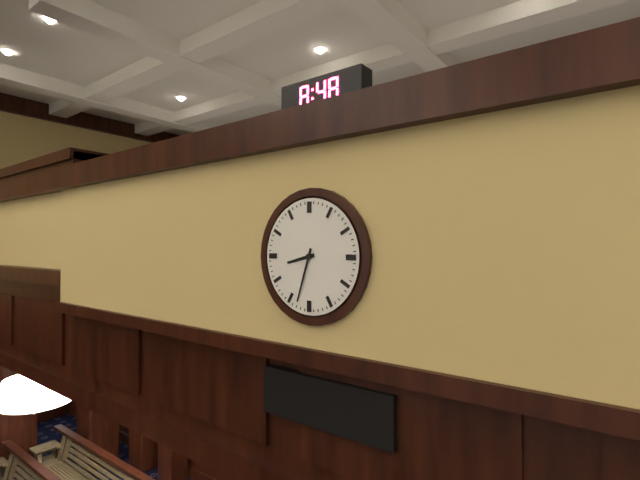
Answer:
8 h 33 min
